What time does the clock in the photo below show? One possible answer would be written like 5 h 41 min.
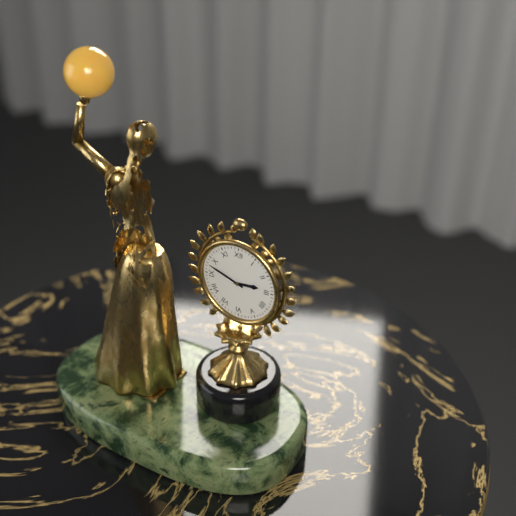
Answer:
2 h 48 min
